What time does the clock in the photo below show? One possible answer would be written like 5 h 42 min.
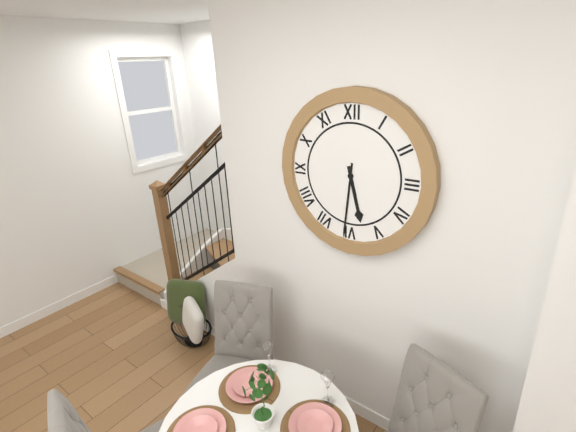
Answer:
5 h 31 min
